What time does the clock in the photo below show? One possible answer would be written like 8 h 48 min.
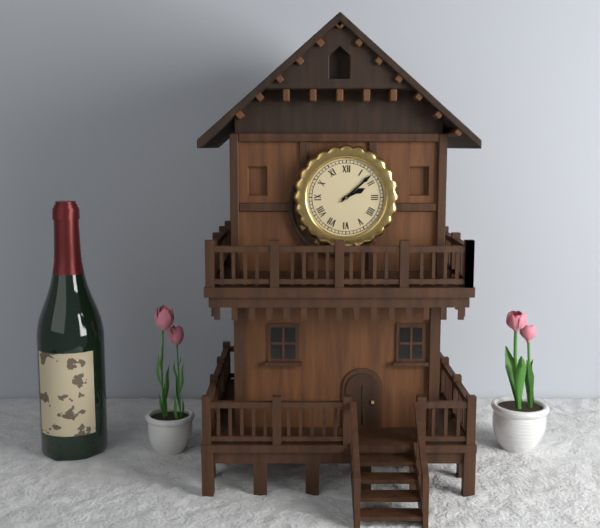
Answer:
2 h 08 min
